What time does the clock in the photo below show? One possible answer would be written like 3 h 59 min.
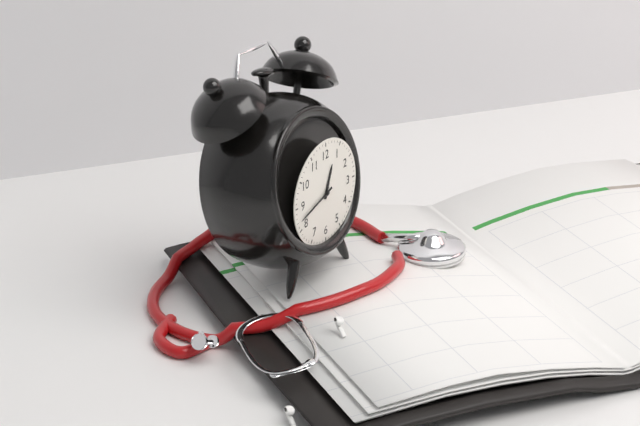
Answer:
12 h 42 min
